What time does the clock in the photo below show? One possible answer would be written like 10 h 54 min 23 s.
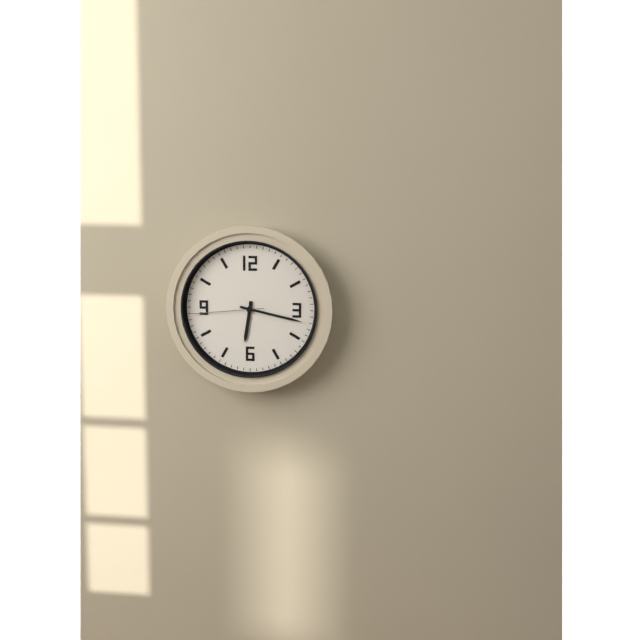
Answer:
6 h 17 min 44 s
